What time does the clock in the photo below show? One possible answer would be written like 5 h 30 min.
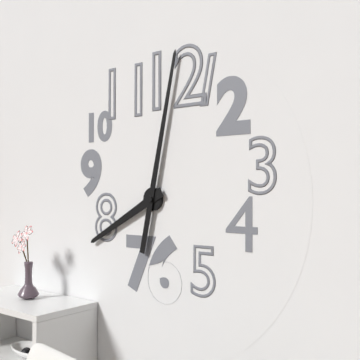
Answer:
8 h 02 min
